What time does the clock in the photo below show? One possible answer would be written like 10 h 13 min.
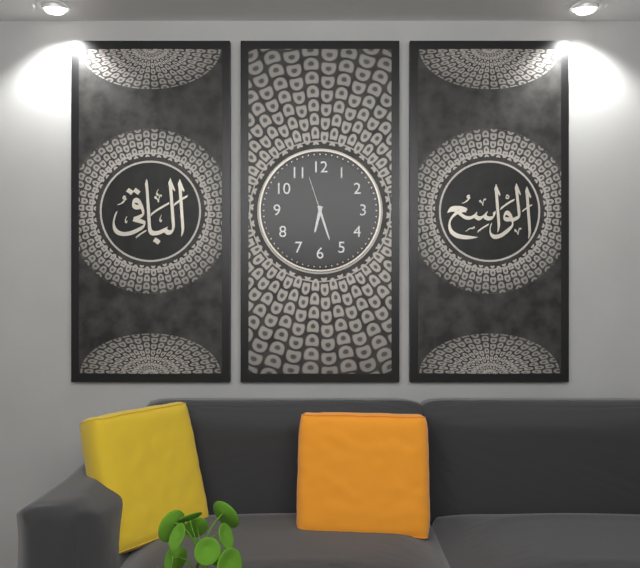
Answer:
6 h 27 min
